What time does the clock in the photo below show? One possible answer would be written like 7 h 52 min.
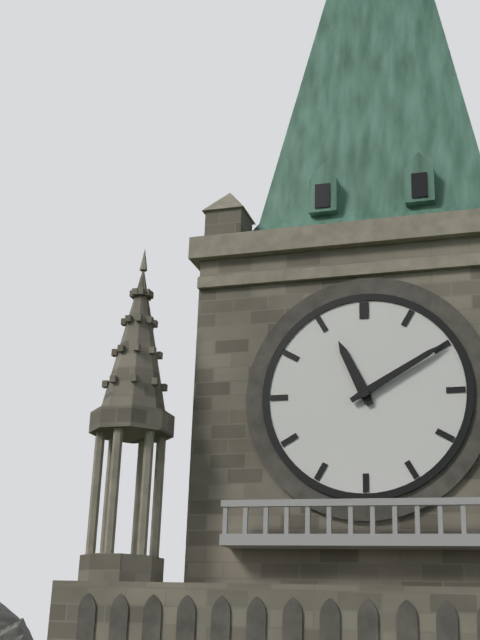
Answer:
11 h 10 min
